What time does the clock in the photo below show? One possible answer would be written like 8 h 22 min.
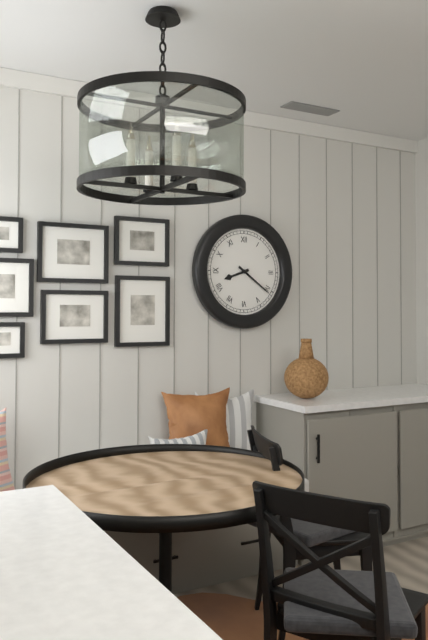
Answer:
8 h 21 min
